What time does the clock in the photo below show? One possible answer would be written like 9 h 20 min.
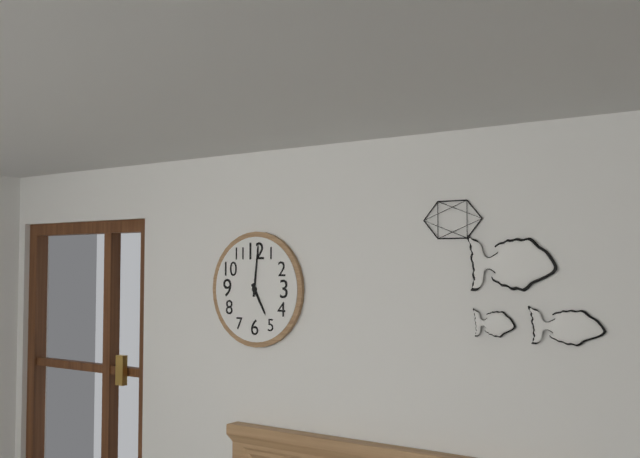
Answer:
5 h 01 min
